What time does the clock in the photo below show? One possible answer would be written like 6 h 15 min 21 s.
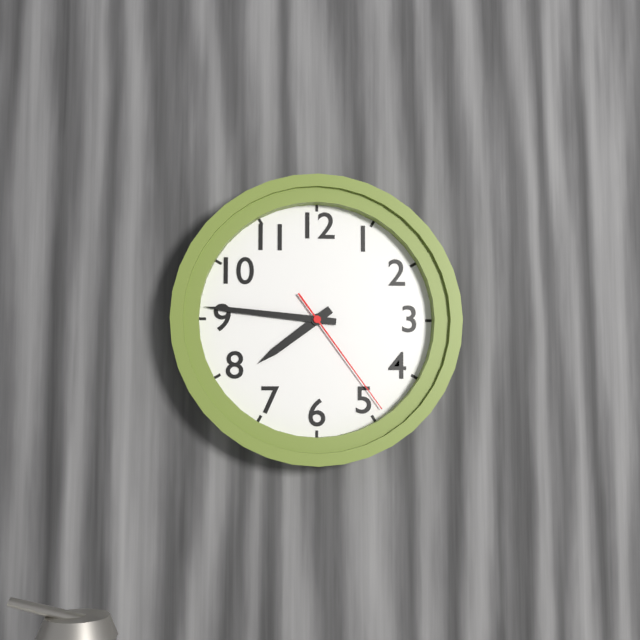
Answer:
7 h 46 min 24 s
